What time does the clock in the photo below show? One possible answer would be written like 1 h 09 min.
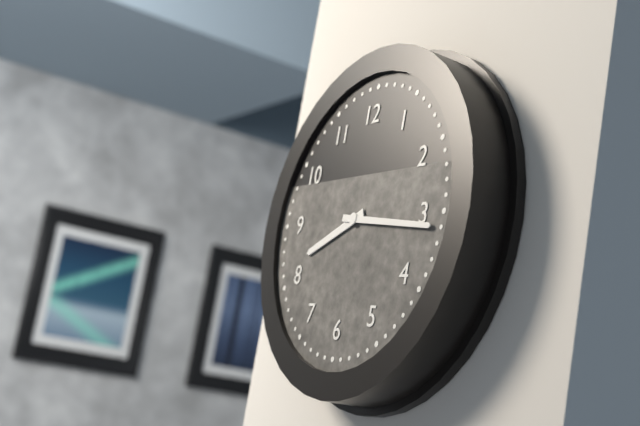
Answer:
8 h 16 min
